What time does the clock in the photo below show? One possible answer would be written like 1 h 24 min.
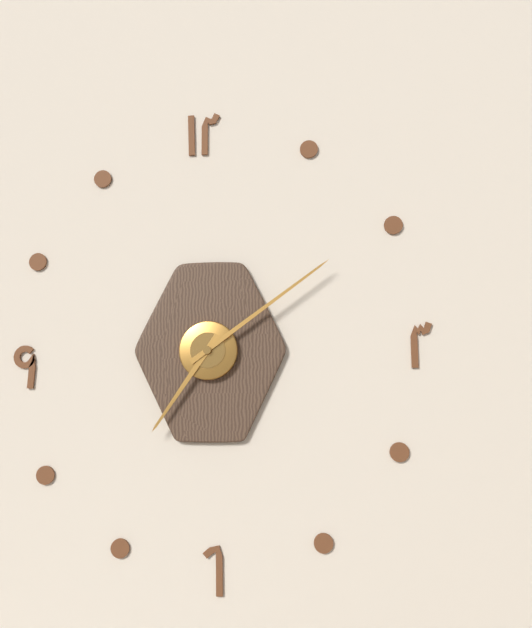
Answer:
7 h 09 min
